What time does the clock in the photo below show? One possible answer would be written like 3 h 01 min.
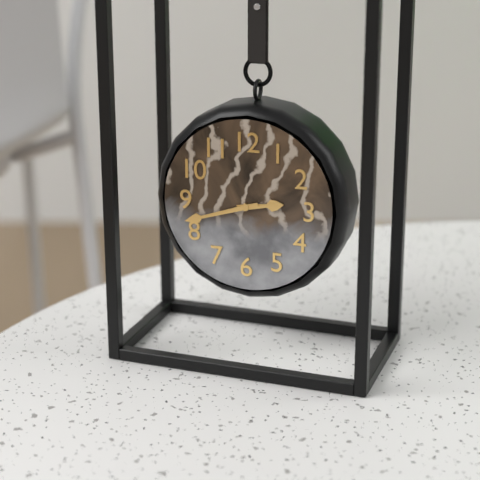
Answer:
2 h 42 min
